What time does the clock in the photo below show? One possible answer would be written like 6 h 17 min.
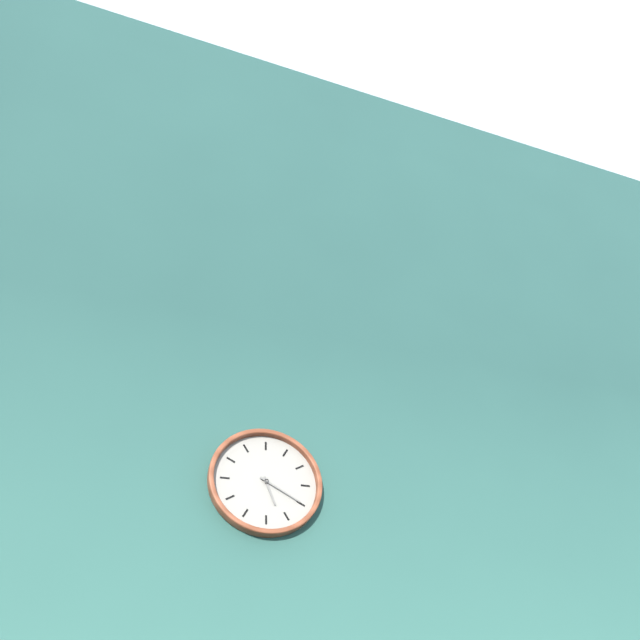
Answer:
5 h 20 min
